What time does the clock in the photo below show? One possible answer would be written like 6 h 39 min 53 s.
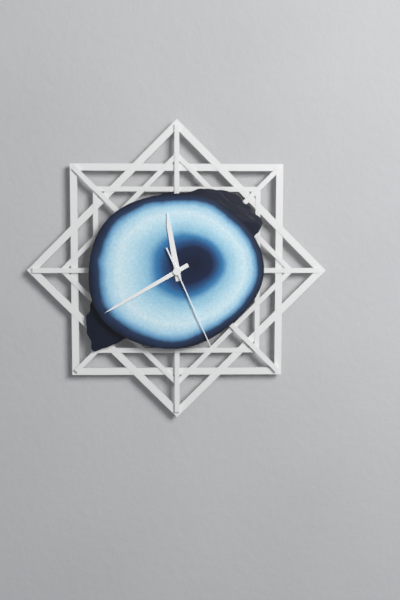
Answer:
11 h 40 min 26 s
